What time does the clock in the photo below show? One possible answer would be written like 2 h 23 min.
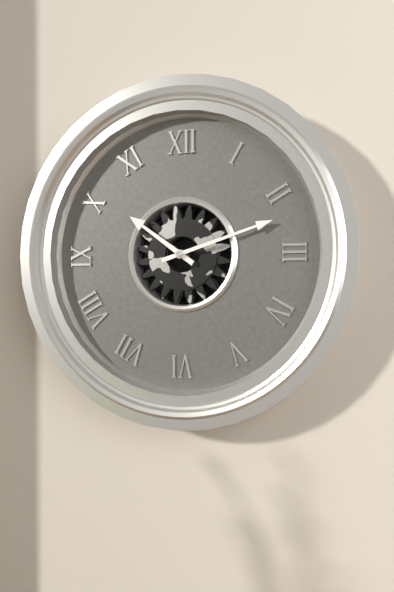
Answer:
10 h 12 min
